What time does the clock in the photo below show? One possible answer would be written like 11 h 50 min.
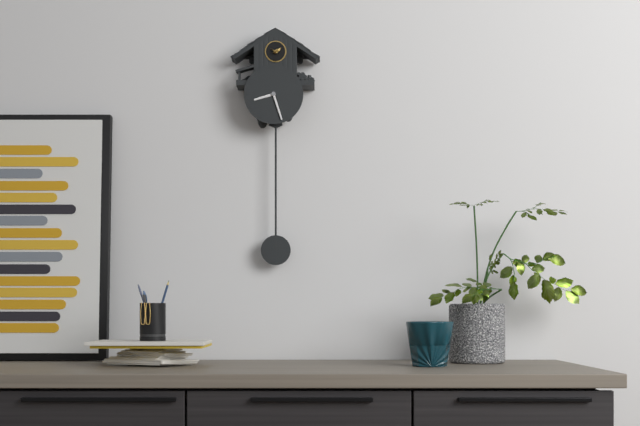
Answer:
8 h 27 min
